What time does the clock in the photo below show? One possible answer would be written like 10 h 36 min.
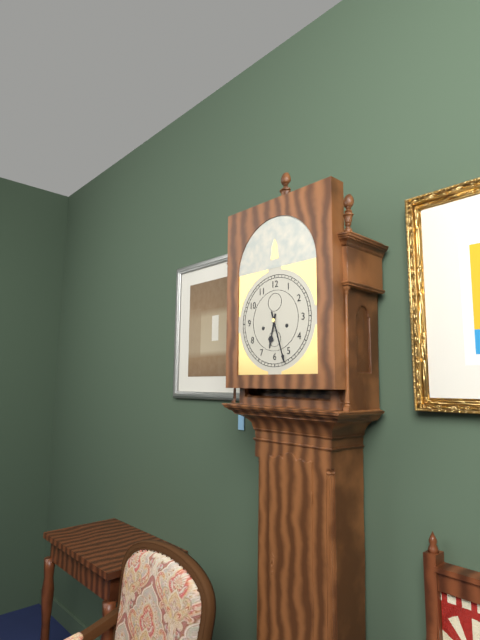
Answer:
6 h 27 min
